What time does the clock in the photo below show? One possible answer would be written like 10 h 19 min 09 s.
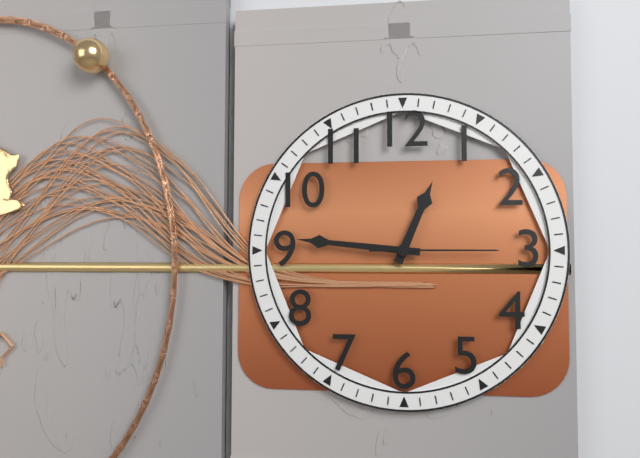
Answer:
12 h 46 min 15 s
